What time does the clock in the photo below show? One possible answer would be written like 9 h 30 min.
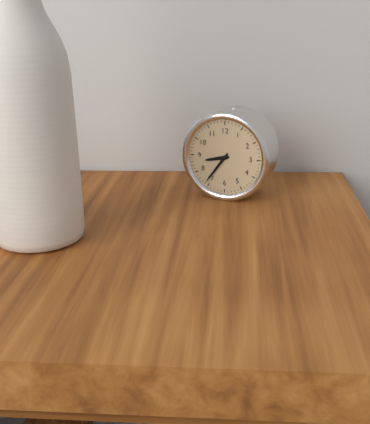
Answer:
8 h 36 min
